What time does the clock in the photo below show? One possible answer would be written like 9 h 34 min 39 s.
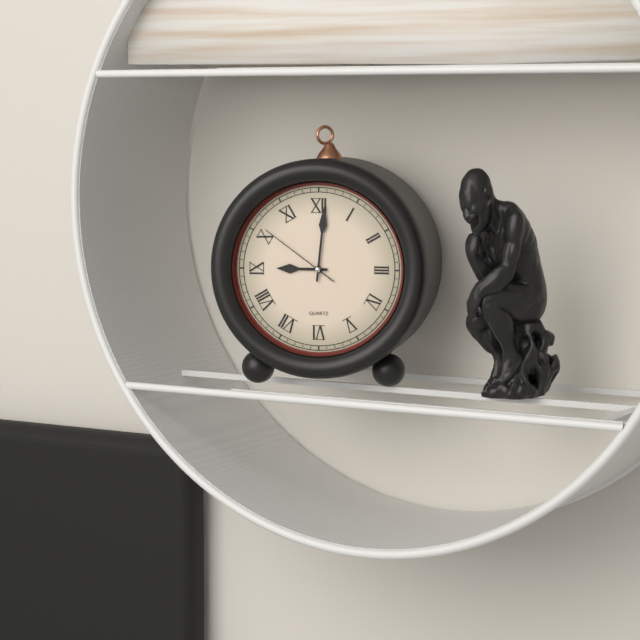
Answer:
9 h 01 min 51 s
